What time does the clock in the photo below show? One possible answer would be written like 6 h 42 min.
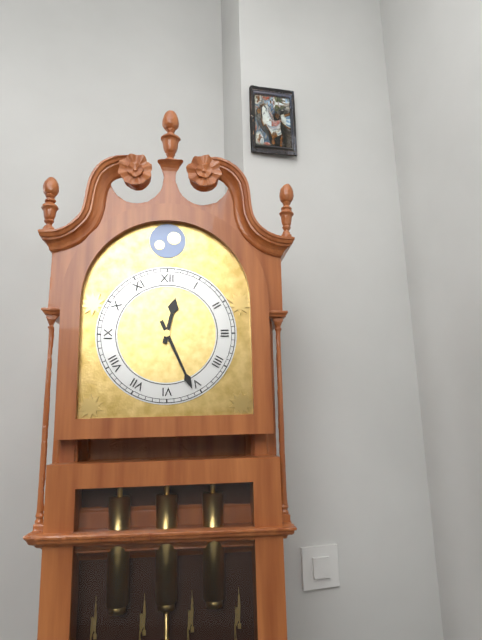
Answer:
12 h 26 min
